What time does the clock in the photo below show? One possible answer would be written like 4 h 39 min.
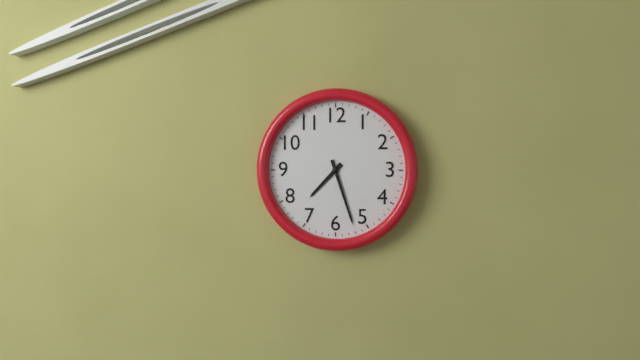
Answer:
7 h 27 min
